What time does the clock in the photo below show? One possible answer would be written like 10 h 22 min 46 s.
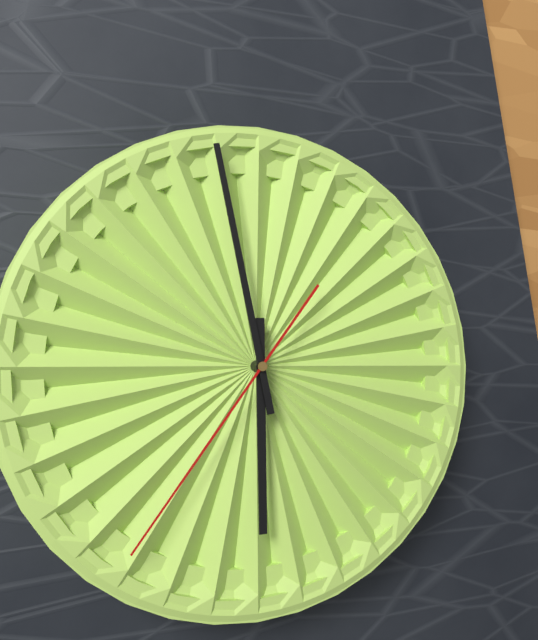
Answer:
5 h 58 min 36 s
